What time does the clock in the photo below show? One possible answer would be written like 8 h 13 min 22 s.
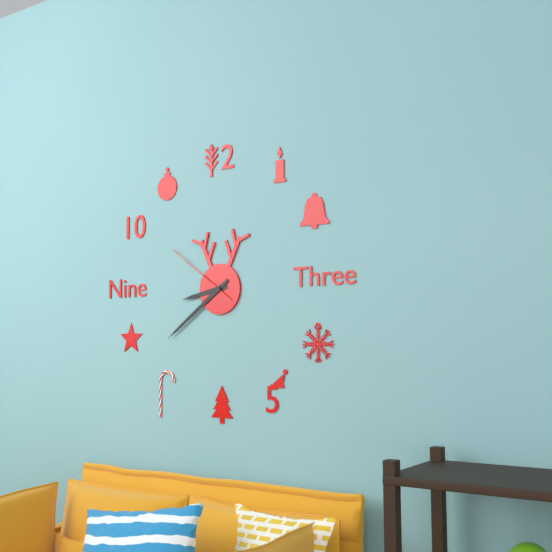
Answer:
8 h 39 min 51 s
